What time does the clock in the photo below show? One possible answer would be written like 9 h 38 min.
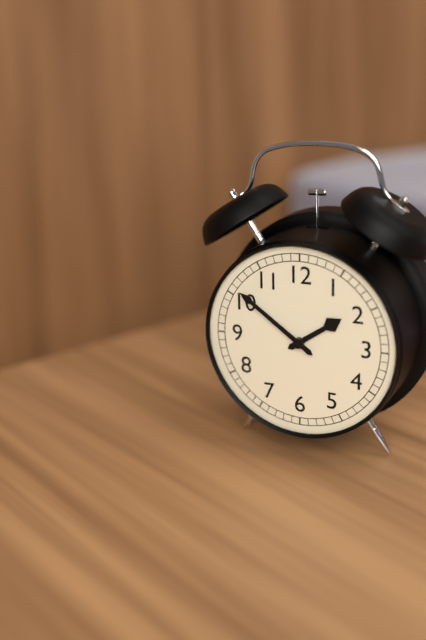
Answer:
1 h 51 min
